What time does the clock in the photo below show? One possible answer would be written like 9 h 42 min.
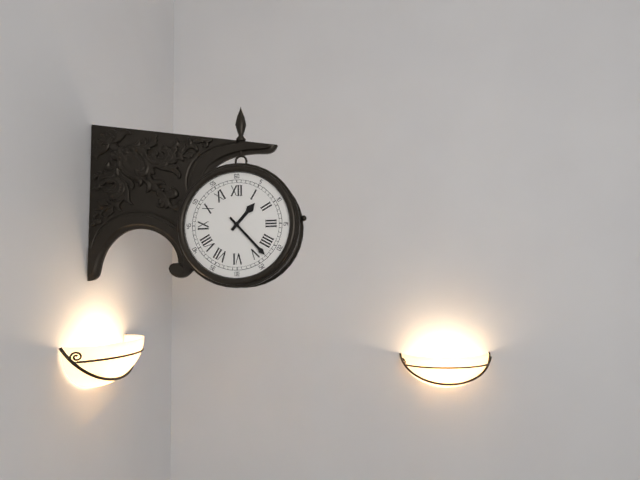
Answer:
1 h 23 min
